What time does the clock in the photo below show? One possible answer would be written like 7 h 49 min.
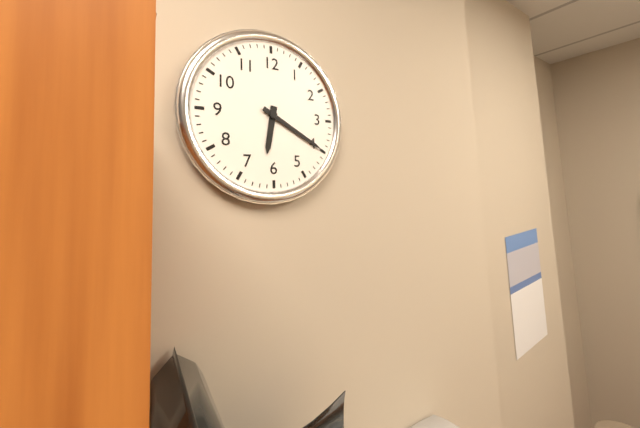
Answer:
6 h 20 min
